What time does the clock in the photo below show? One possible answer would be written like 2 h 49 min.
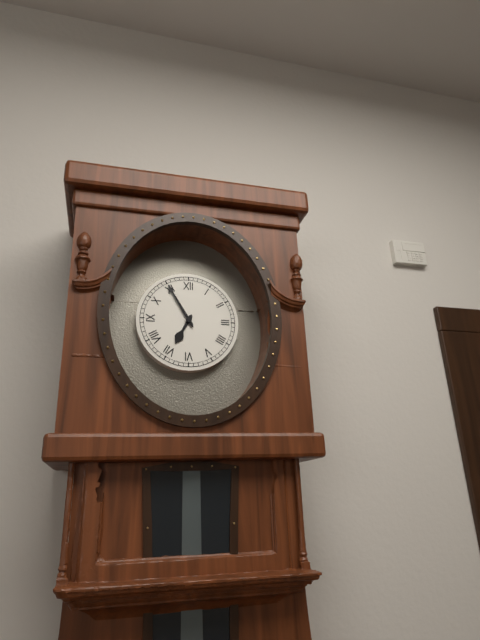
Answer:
6 h 55 min
